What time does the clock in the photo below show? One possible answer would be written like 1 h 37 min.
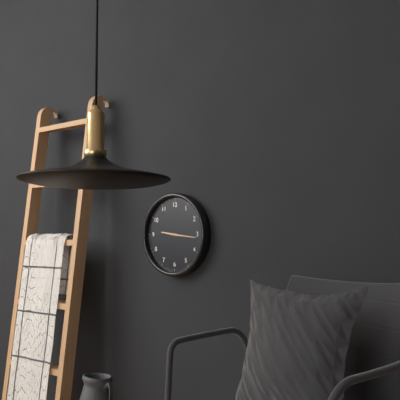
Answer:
9 h 16 min
